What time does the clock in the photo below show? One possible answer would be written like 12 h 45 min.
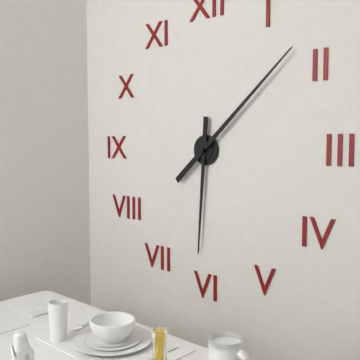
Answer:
6 h 08 min
